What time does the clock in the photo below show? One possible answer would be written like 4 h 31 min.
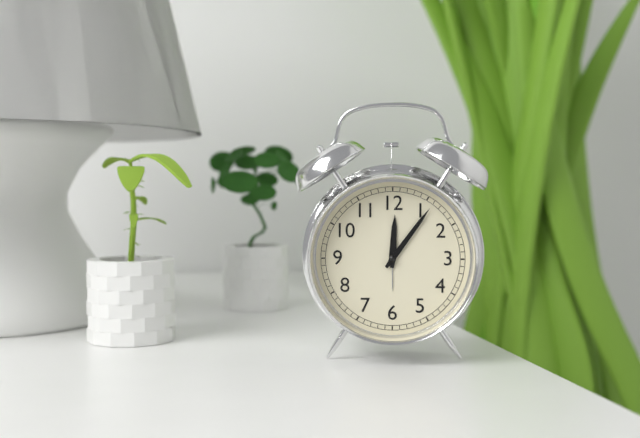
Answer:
12 h 06 min
